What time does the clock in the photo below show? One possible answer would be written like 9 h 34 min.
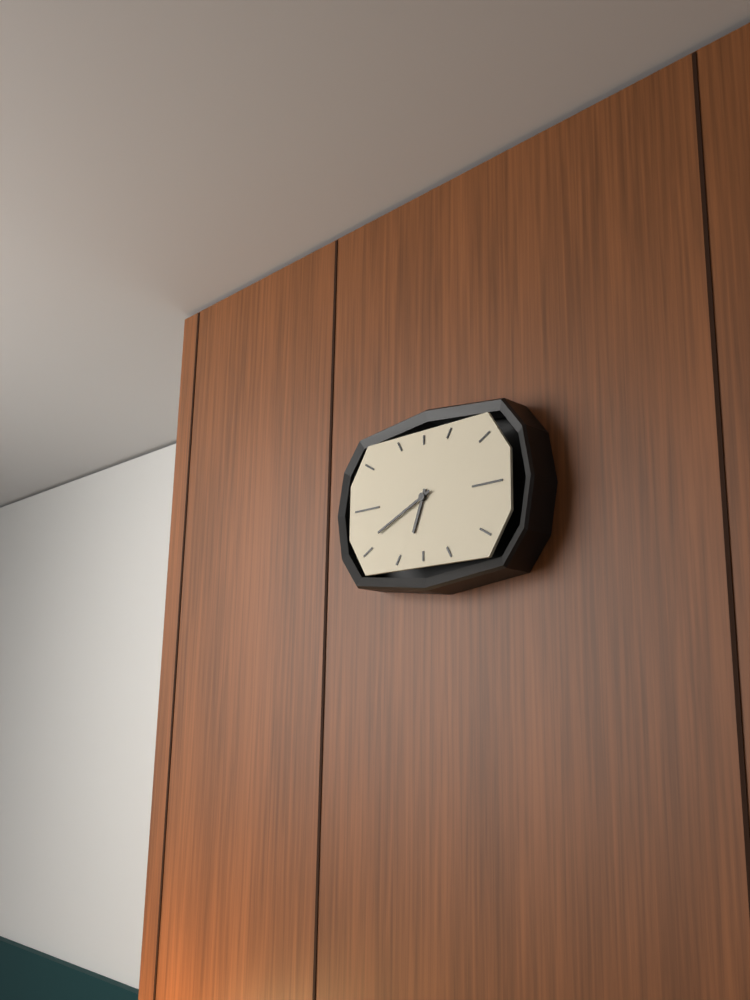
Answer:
6 h 41 min
